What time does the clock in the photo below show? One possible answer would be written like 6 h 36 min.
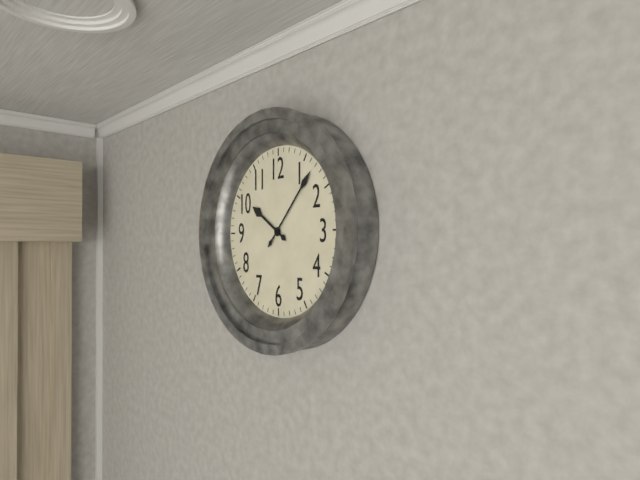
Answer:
10 h 07 min
